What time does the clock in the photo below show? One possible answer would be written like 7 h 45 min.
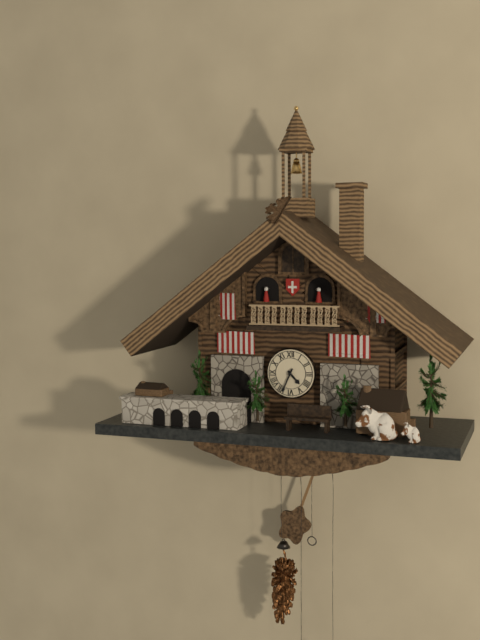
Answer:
4 h 34 min
